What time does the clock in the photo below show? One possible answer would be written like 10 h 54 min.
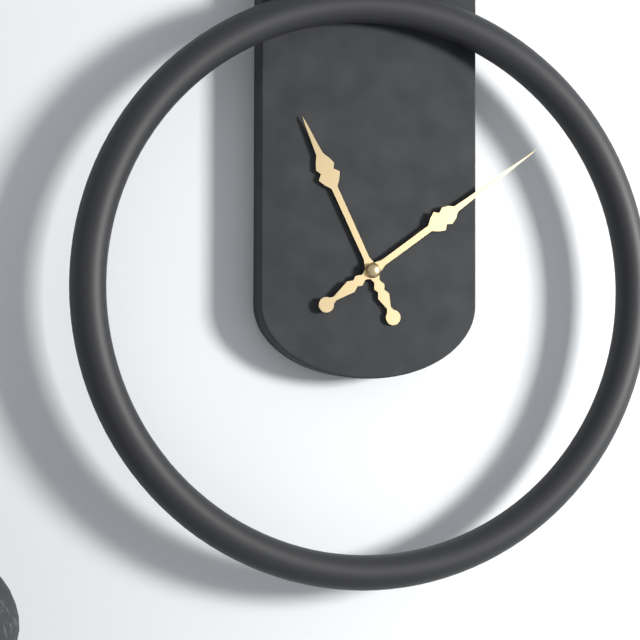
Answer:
11 h 09 min
